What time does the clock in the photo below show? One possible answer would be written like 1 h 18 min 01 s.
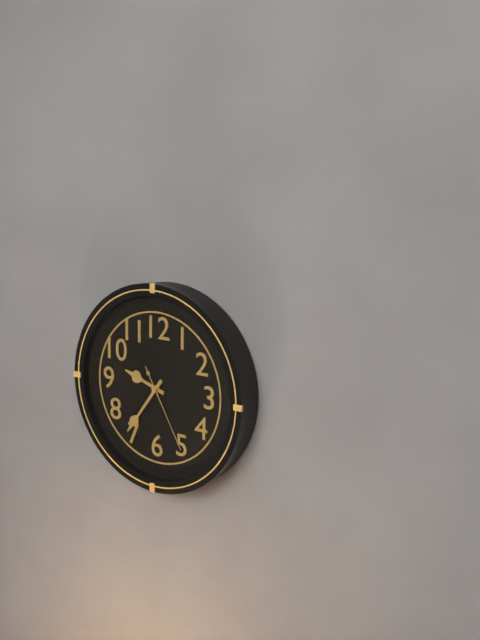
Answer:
9 h 36 min 25 s
